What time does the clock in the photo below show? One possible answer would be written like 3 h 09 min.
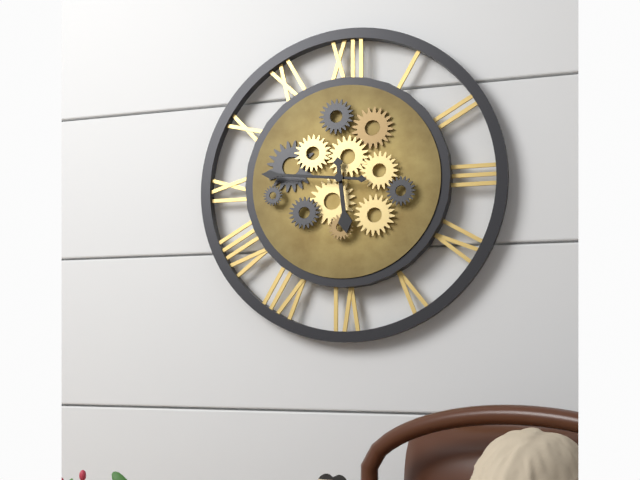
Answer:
5 h 46 min
